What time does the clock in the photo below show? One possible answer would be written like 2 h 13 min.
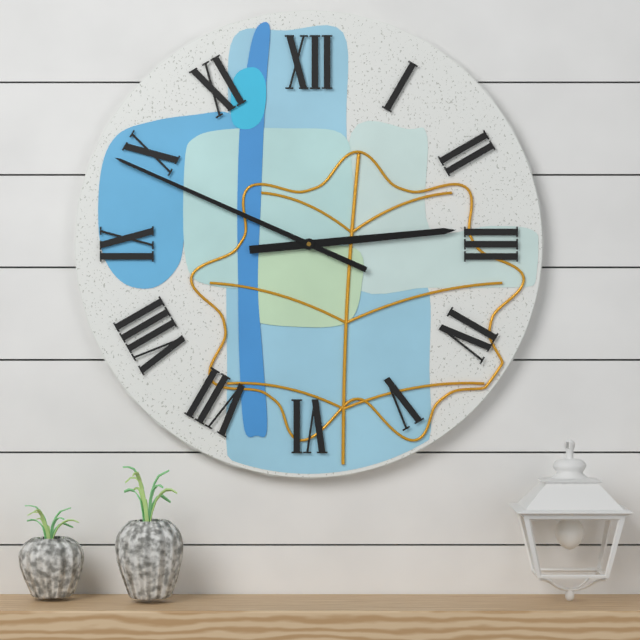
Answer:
2 h 49 min
